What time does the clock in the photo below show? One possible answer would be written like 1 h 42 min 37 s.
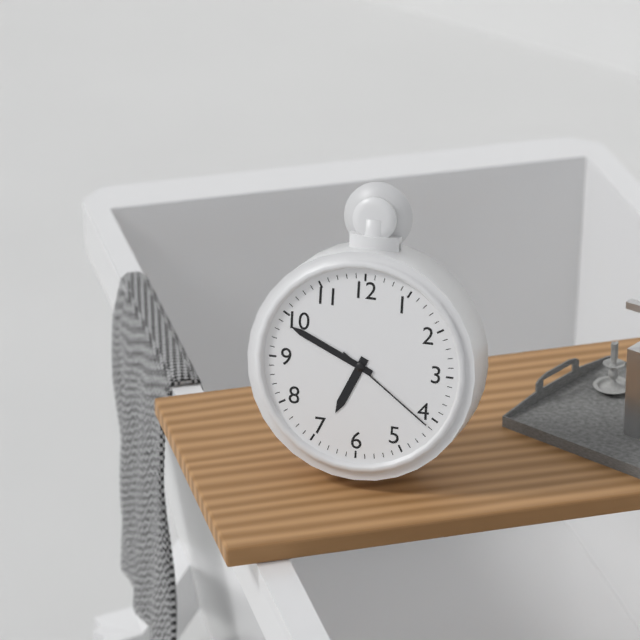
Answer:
6 h 49 min 21 s
